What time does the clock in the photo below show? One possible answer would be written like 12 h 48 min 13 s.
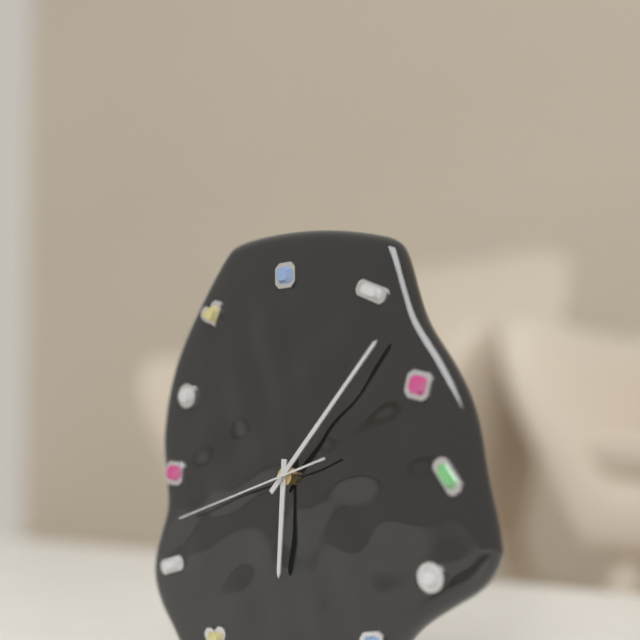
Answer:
6 h 07 min 42 s
